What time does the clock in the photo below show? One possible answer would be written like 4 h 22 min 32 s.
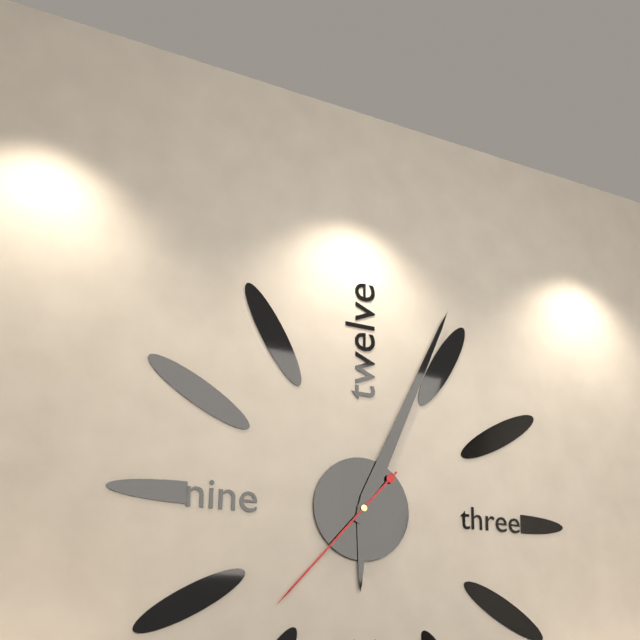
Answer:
6 h 04 min 37 s
